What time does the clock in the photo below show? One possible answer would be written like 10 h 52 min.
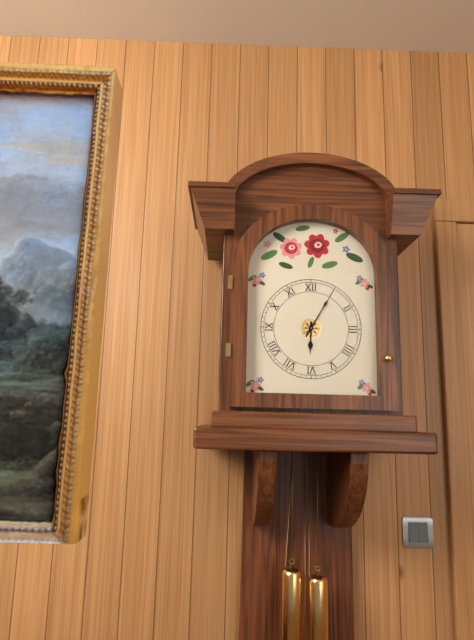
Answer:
6 h 05 min
